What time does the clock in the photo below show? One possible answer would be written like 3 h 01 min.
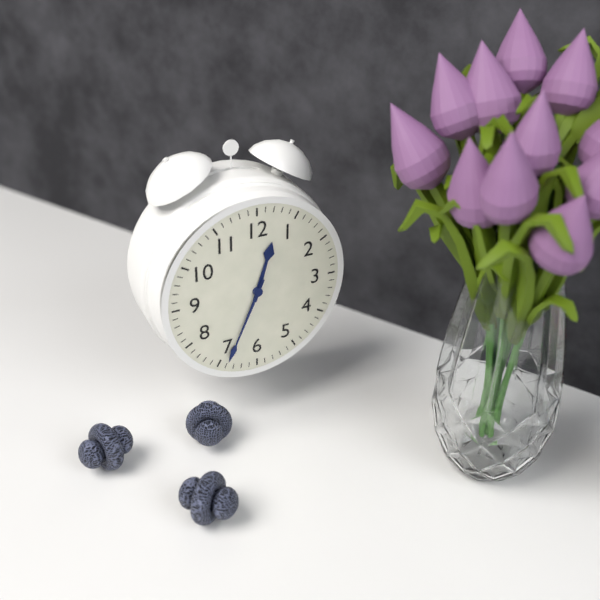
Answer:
12 h 34 min
